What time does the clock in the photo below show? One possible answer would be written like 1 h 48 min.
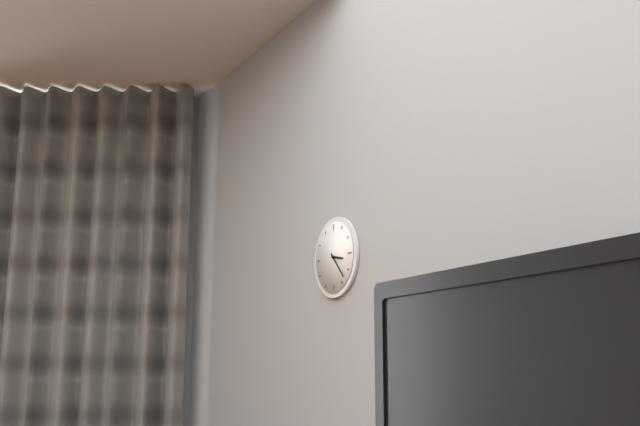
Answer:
3 h 23 min
